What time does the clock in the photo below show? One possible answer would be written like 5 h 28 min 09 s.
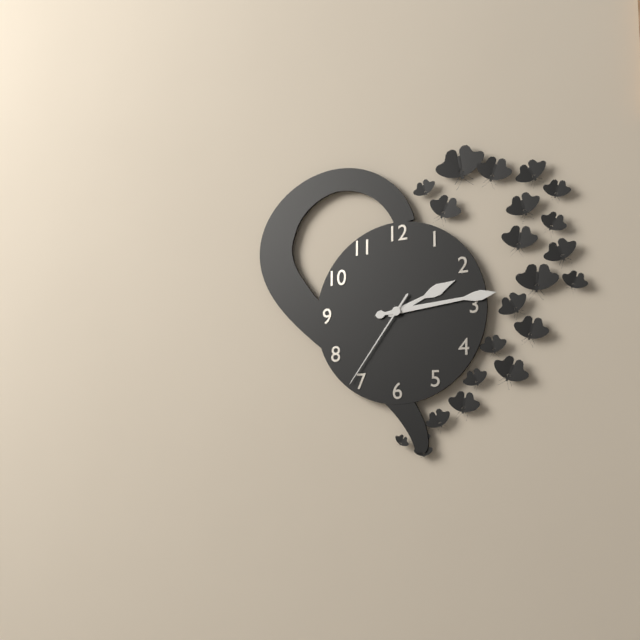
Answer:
2 h 14 min 36 s
